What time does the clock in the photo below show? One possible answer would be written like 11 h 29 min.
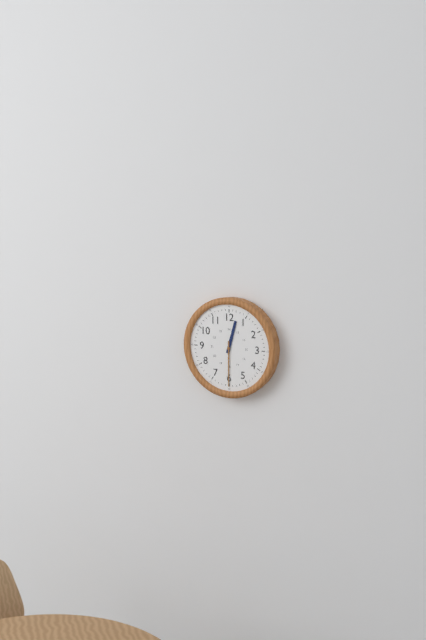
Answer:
12 h 30 min
